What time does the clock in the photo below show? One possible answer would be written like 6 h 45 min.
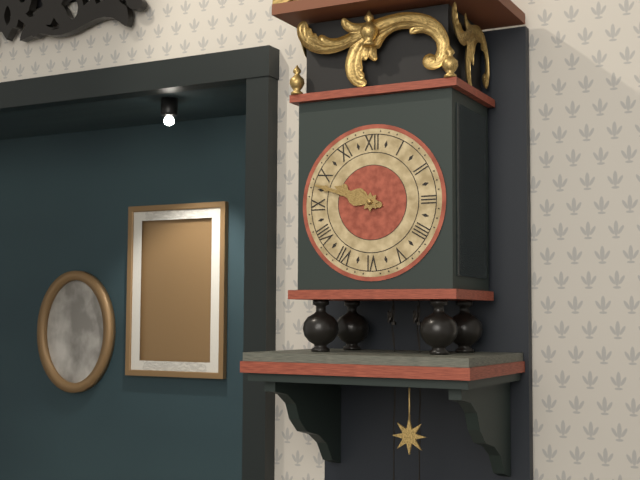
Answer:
9 h 48 min
